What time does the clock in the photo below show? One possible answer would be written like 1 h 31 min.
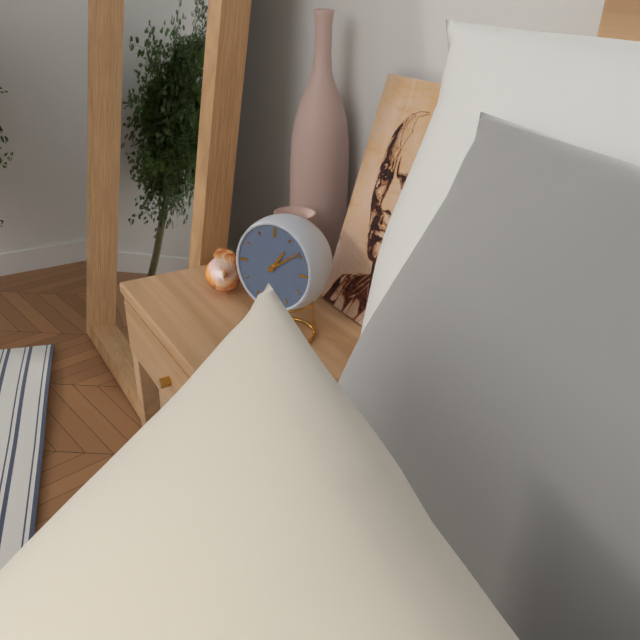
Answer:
1 h 09 min
